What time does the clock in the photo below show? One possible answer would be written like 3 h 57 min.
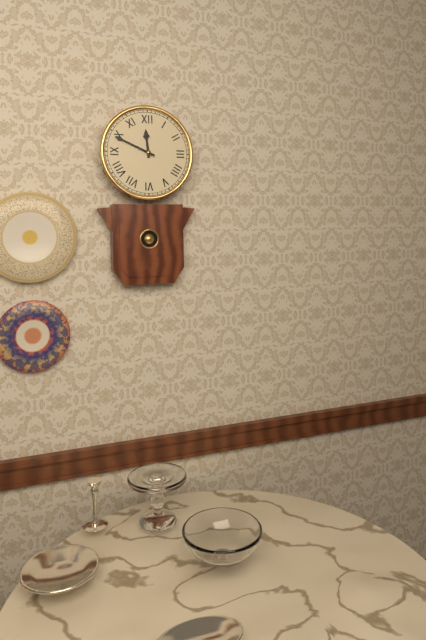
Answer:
11 h 49 min
